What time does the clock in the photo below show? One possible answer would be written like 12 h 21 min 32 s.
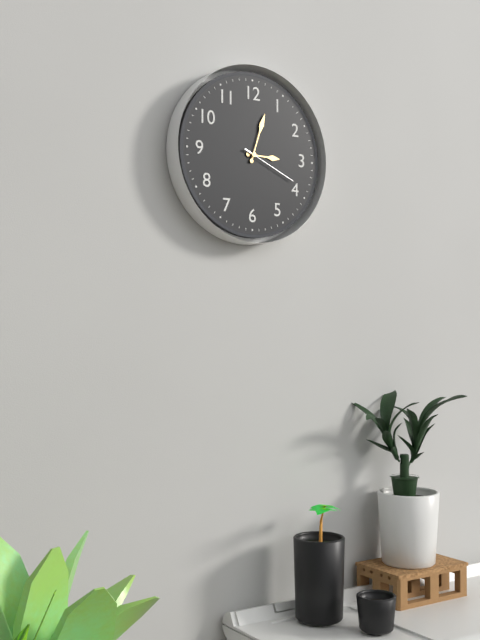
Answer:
3 h 03 min 19 s
